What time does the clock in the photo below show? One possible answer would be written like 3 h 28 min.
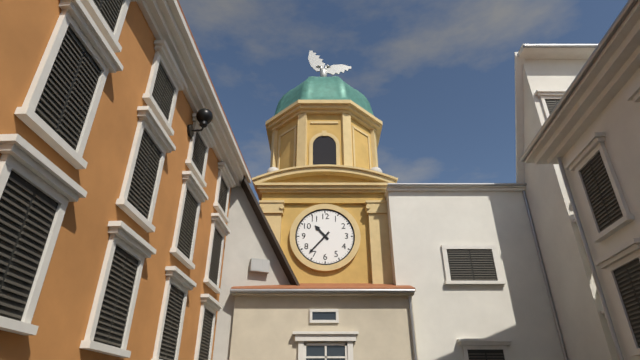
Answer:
10 h 37 min
